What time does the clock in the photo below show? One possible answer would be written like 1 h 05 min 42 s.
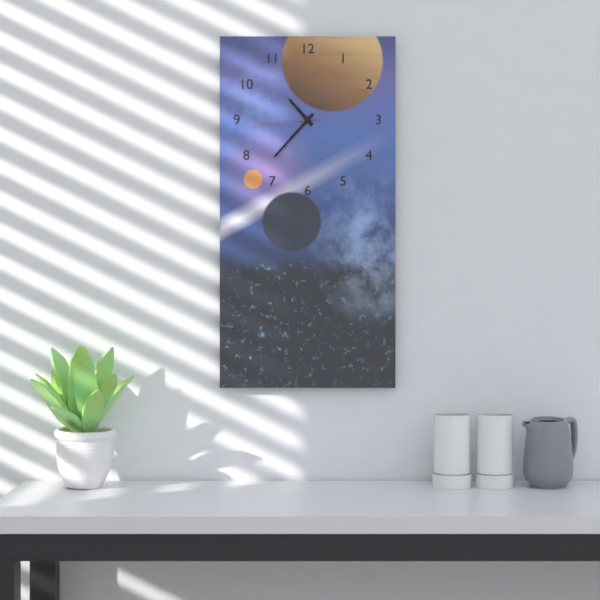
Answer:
10 h 37 min 44 s
